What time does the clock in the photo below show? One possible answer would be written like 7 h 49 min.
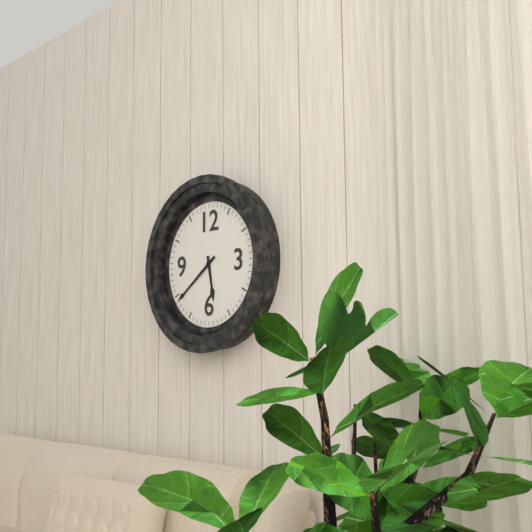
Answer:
5 h 39 min
